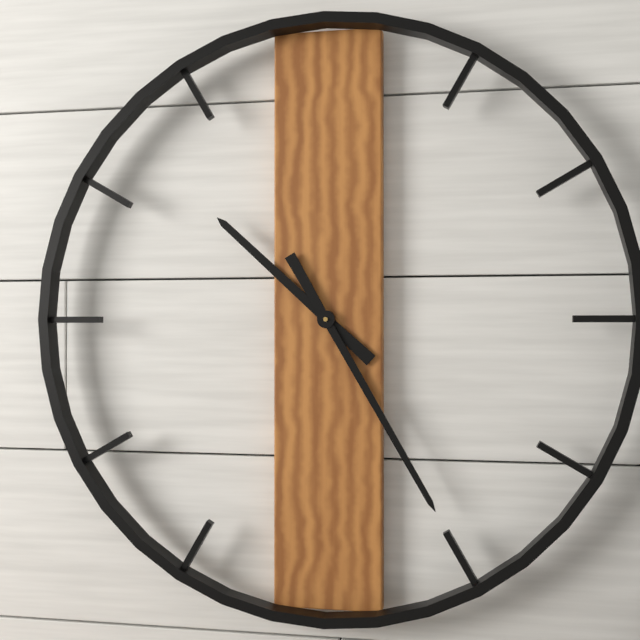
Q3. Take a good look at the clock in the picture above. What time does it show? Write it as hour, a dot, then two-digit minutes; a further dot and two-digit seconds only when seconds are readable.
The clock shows 10.25
